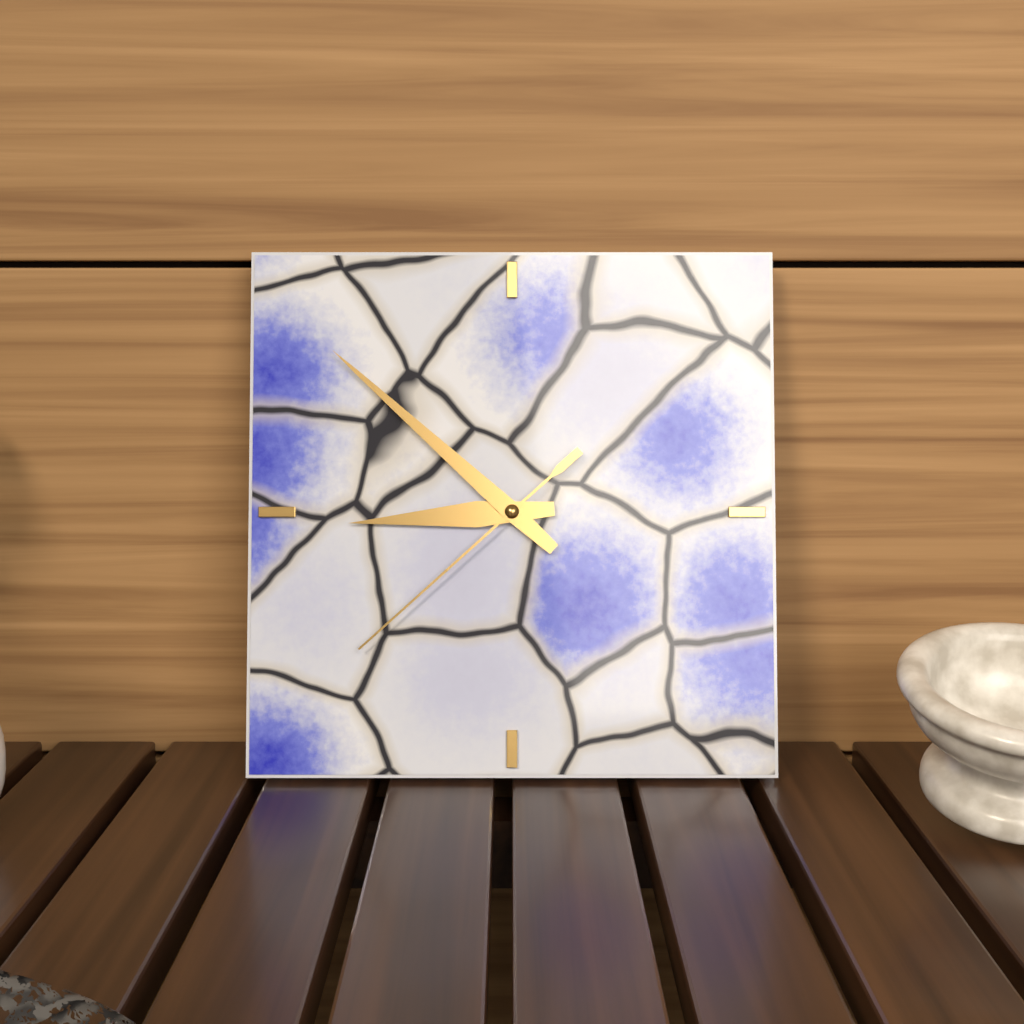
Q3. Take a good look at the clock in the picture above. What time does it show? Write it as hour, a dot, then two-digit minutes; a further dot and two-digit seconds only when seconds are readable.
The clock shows 8.52.38
